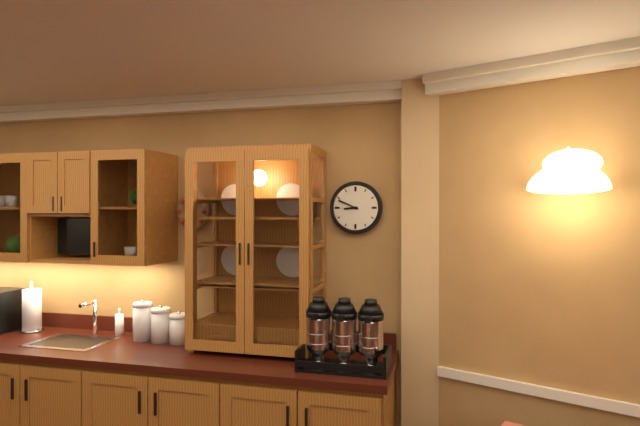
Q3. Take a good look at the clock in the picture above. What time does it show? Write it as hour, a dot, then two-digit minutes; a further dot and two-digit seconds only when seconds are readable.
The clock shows 8.49
